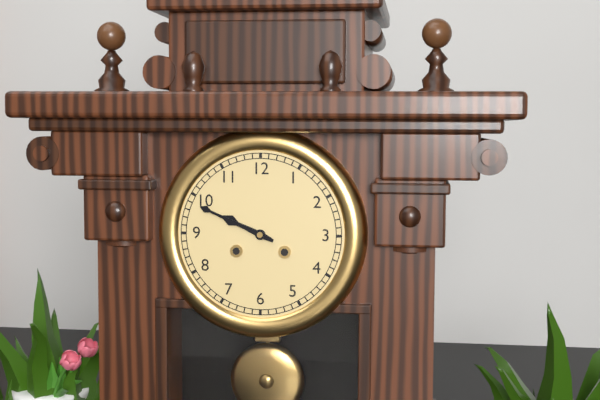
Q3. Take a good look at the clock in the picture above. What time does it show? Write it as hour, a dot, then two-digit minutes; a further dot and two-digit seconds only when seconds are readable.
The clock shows 9.49
